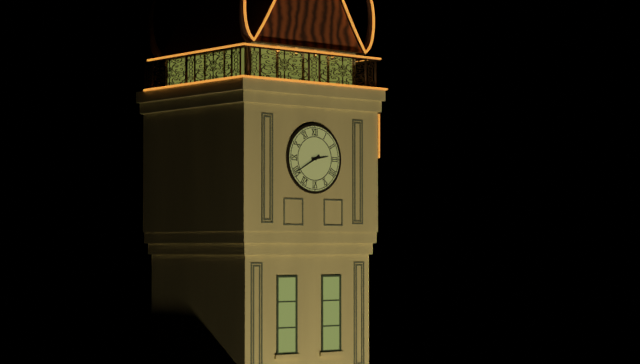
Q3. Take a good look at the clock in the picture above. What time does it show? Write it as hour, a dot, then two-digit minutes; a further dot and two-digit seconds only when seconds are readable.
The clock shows 2.40
